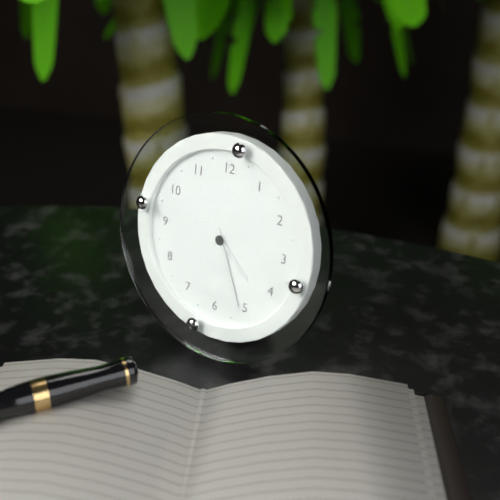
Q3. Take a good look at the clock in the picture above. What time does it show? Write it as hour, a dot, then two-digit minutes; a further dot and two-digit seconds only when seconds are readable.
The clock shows 4.26
